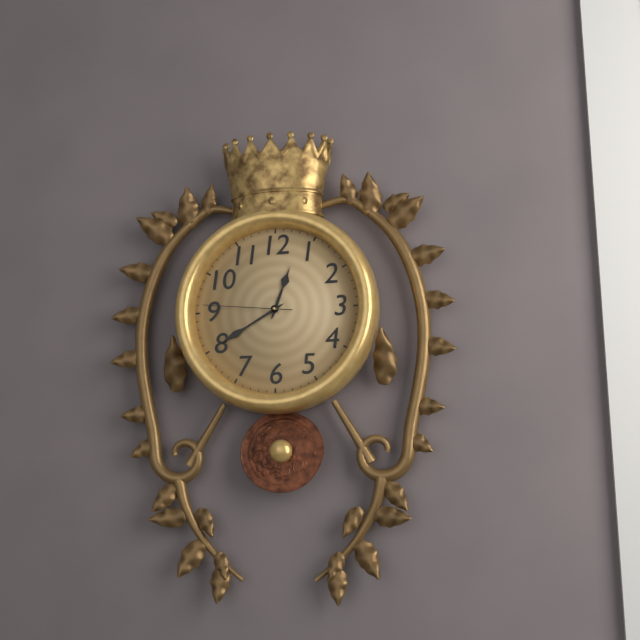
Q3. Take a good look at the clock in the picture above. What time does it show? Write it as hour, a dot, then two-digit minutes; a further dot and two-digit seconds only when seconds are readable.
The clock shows 12.40.46
